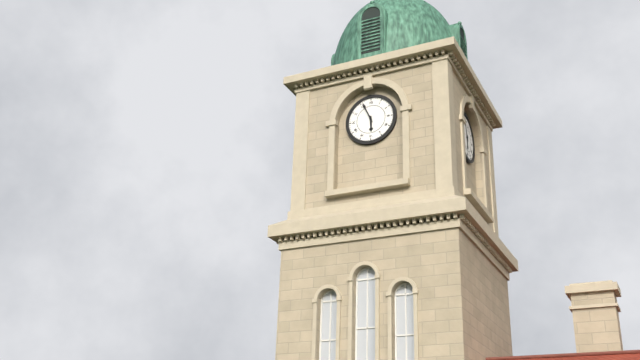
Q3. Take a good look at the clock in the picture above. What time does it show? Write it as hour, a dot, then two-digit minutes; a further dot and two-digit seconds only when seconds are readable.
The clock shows 5.56
